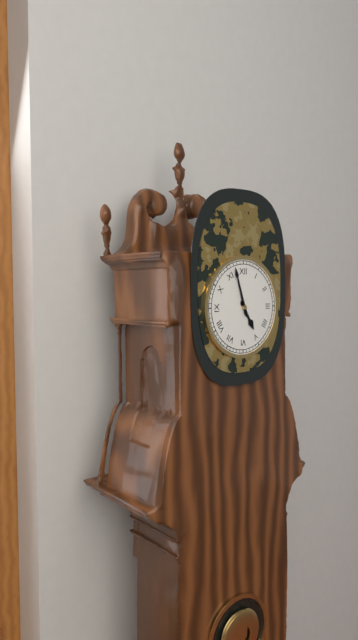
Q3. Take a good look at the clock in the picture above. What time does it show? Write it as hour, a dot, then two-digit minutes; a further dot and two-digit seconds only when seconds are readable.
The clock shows 4.57
